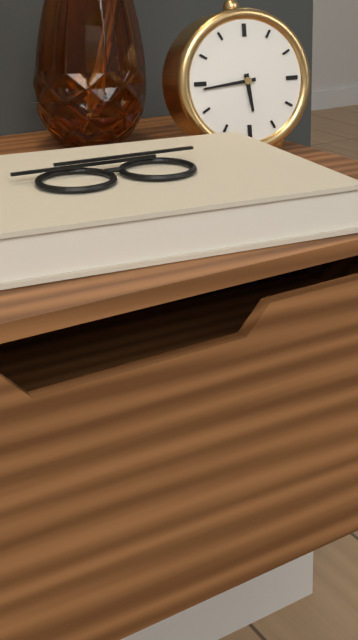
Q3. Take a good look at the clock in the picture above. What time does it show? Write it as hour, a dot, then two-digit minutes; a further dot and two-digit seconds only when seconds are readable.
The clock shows 5.44
